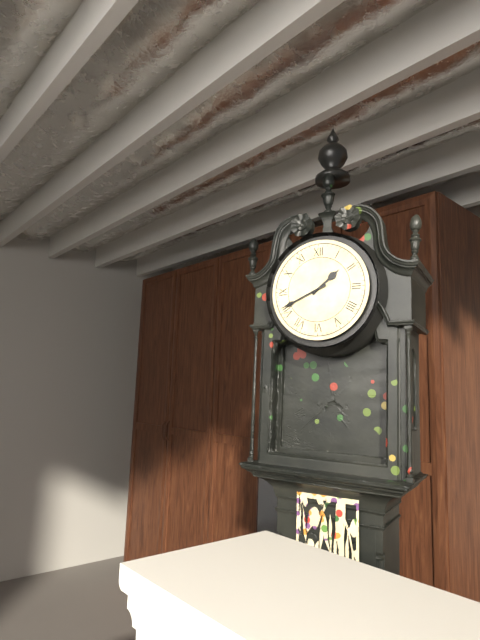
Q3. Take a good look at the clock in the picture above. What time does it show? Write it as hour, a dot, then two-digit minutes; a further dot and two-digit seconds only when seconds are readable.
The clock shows 1.41
